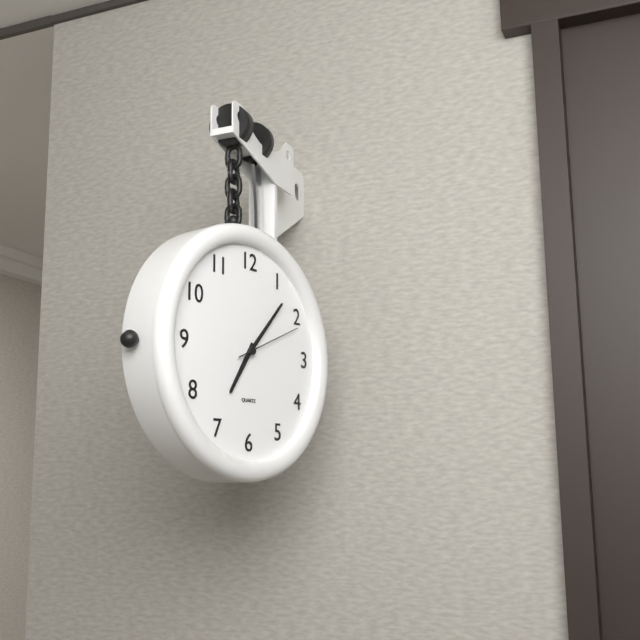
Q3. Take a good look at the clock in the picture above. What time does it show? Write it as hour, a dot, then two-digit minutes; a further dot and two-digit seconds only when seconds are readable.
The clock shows 7.07.11
